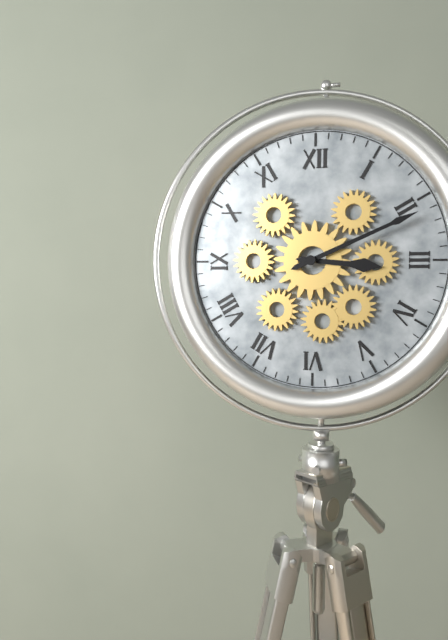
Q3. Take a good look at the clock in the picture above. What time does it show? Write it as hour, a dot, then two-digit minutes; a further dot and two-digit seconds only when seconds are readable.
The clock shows 3.11
